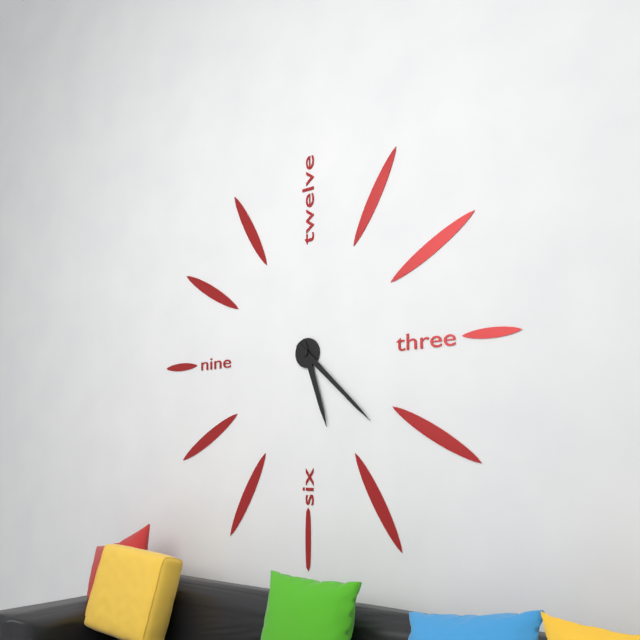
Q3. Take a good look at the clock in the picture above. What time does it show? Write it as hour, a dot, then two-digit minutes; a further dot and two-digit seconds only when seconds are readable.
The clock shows 5.22
